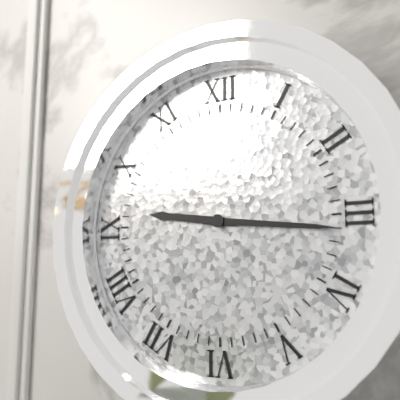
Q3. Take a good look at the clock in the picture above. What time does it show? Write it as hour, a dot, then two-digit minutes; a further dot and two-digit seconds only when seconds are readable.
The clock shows 9.16
